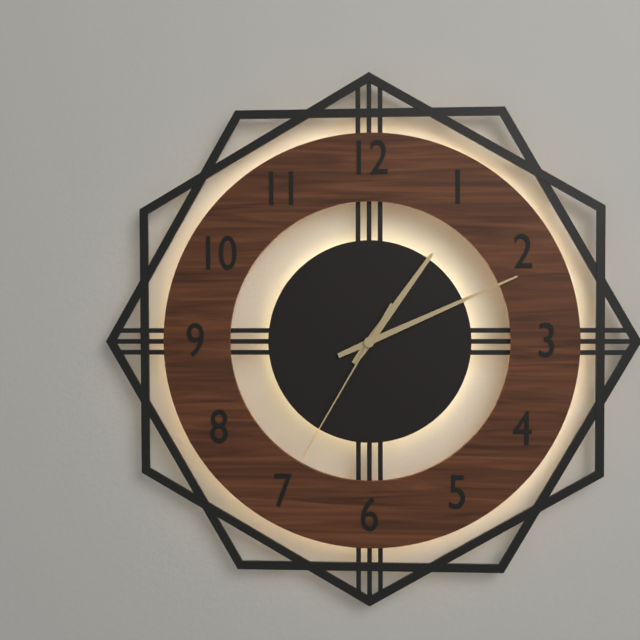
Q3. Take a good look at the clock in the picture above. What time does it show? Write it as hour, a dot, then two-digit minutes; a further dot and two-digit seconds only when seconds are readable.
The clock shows 1.11.35
